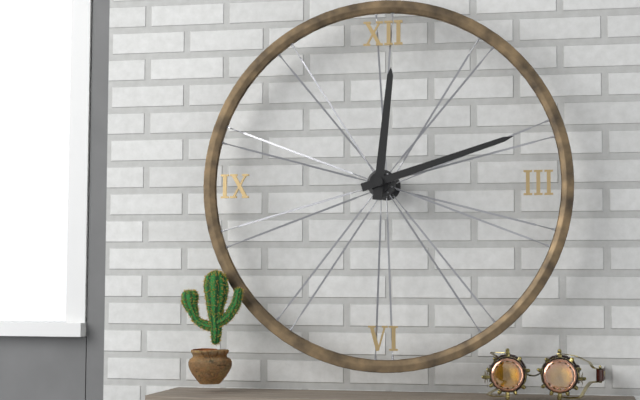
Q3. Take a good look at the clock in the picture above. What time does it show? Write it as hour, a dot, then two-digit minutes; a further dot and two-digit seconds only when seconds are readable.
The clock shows 12.12
